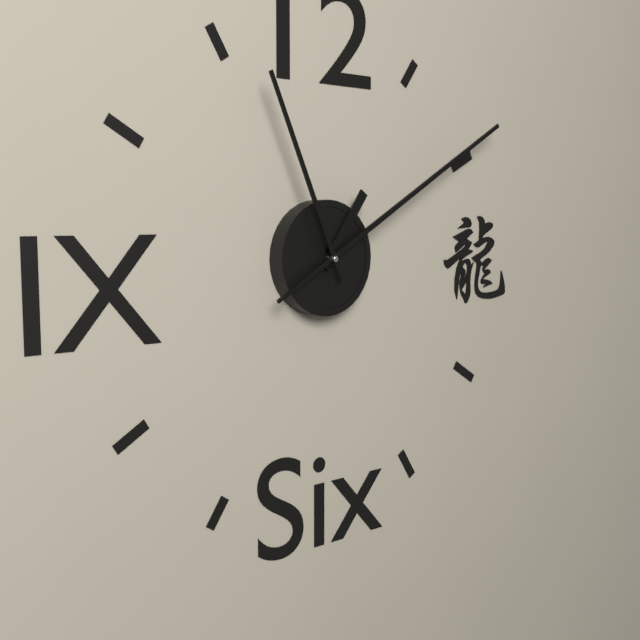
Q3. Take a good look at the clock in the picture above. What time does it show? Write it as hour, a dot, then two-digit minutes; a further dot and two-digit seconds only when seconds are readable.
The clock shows 1.10.56
